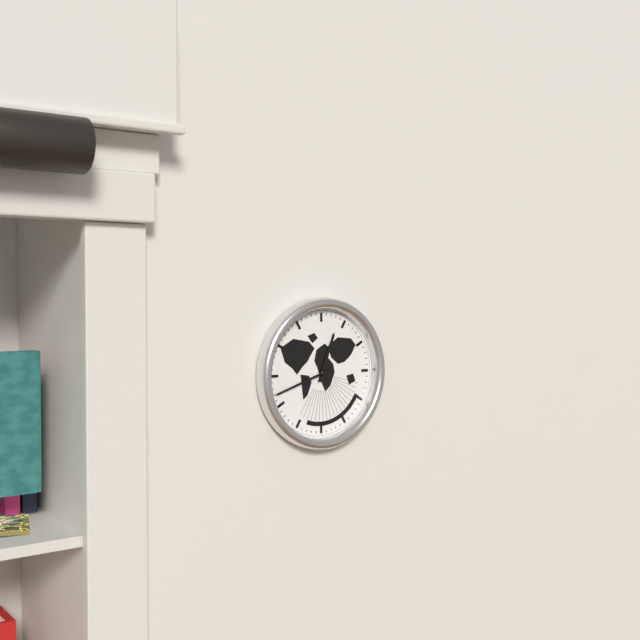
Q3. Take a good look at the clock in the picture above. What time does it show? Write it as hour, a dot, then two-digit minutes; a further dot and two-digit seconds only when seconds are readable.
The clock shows 12.42
